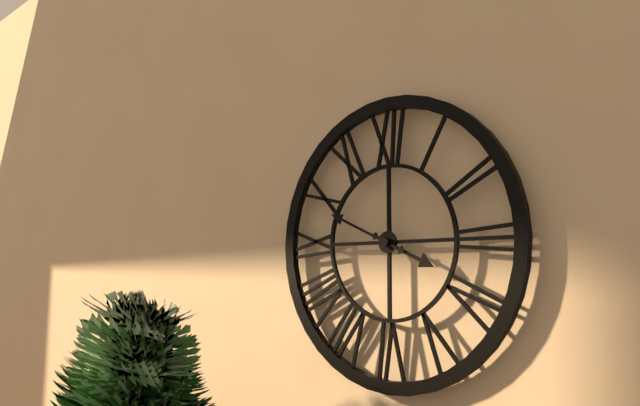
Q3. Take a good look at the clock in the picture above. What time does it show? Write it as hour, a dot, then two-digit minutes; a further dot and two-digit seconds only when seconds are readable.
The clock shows 3.49
